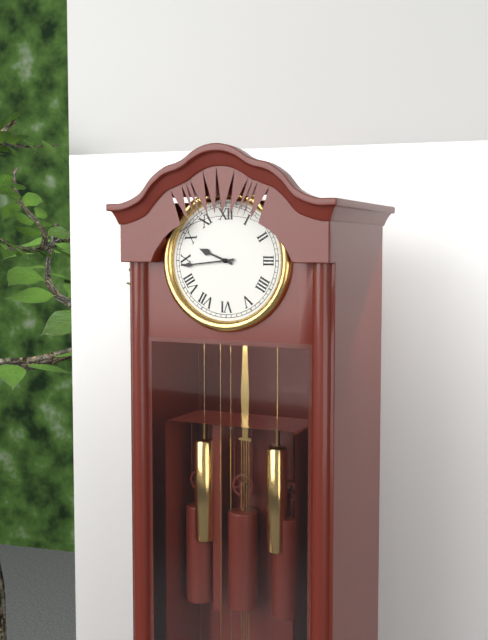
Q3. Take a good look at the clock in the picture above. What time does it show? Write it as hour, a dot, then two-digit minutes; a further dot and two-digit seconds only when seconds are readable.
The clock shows 9.44
